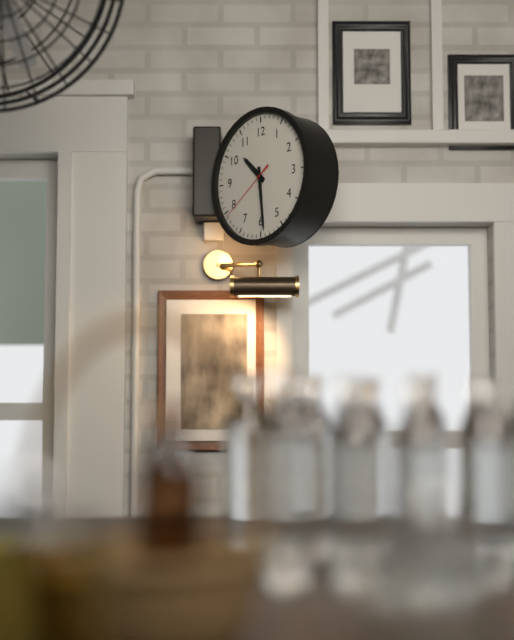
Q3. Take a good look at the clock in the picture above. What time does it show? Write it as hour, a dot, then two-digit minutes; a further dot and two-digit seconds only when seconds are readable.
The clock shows 10.29.39
